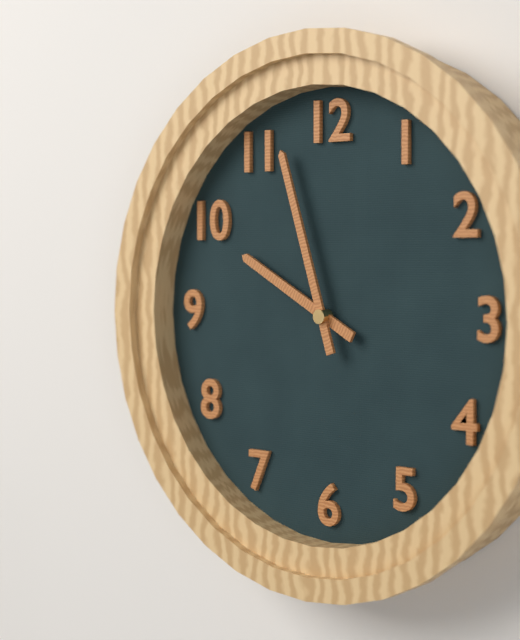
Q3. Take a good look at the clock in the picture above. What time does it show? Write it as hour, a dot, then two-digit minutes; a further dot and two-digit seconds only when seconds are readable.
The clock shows 9.57
